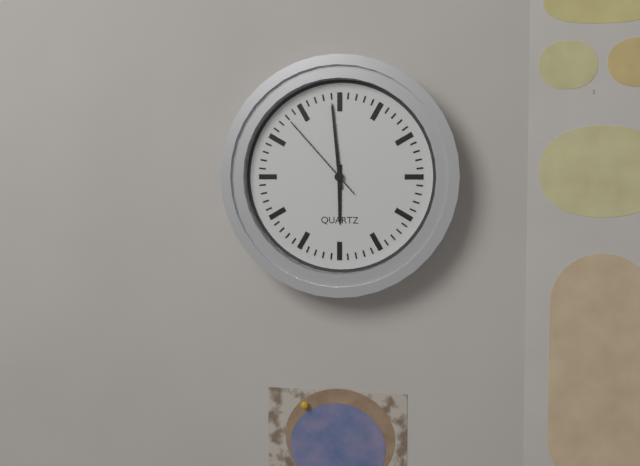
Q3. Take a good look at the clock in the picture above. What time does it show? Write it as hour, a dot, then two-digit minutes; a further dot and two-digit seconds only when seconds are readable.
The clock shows 5.59.53
